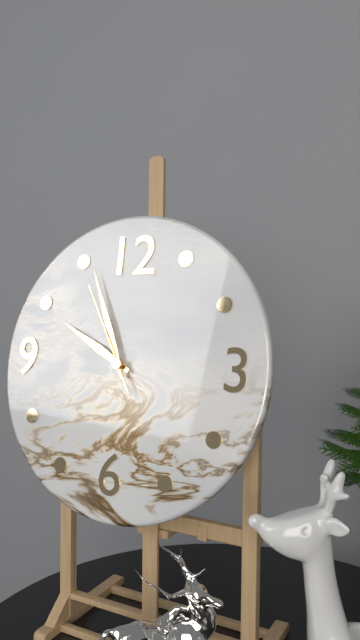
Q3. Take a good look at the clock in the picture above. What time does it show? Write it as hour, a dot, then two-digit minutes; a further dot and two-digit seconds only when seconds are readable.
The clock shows 9.56.55
